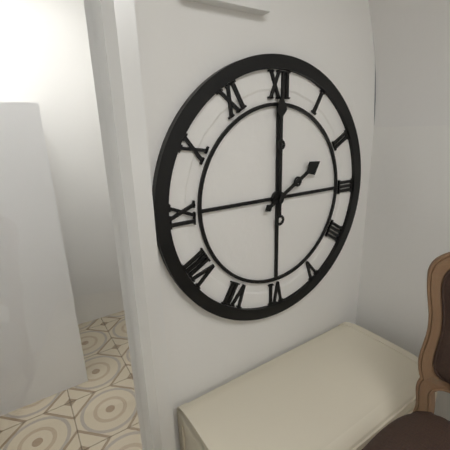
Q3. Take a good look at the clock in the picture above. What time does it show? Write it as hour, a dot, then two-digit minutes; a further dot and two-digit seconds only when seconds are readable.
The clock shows 2.00
